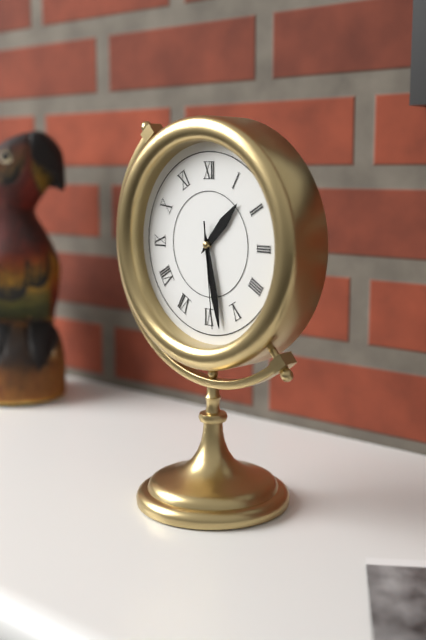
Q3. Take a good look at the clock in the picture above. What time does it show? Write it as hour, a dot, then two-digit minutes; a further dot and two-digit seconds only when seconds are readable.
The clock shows 1.28.29
